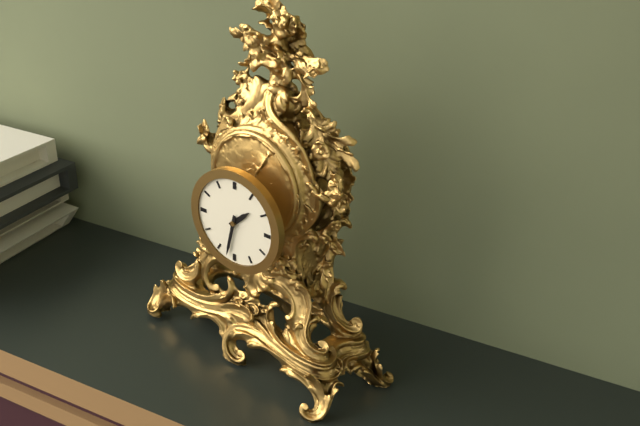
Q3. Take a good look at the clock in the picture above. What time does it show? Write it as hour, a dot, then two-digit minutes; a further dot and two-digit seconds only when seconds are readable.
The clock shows 1.32
